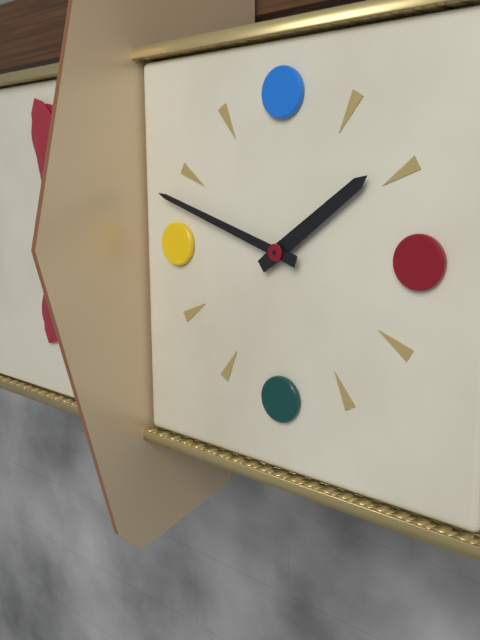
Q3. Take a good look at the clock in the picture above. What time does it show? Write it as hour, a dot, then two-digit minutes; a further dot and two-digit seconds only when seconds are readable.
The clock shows 1.48
